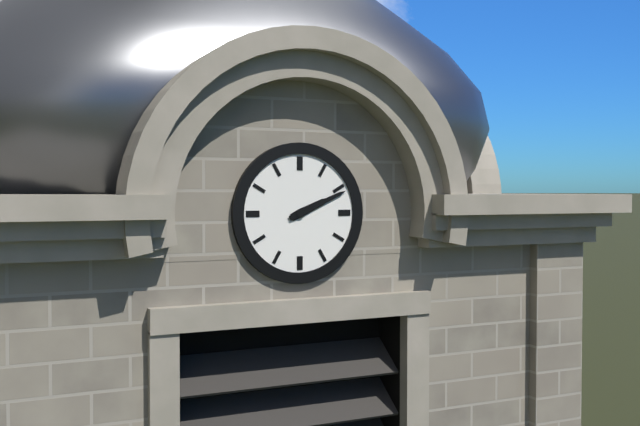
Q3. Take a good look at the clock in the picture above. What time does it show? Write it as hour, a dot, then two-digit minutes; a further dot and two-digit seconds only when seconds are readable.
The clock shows 2.11
